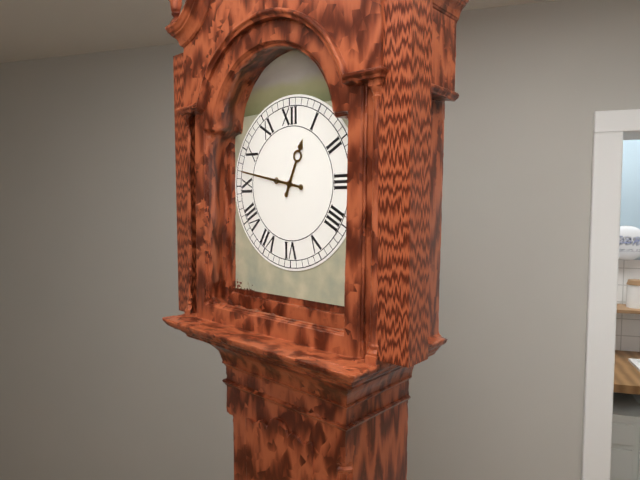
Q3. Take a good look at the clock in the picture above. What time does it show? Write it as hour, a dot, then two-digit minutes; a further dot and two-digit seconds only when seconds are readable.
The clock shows 12.47
